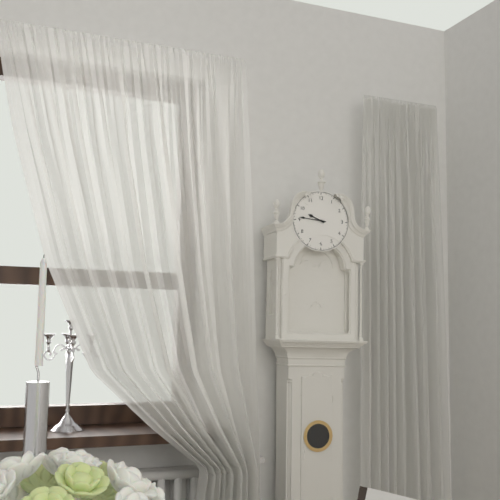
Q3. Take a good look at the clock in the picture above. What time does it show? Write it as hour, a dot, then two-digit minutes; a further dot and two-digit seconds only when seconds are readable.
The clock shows 9.46
